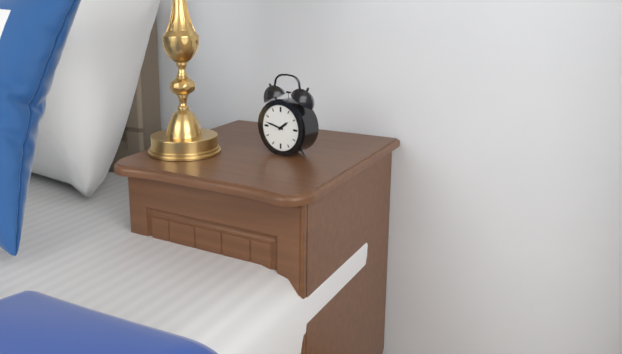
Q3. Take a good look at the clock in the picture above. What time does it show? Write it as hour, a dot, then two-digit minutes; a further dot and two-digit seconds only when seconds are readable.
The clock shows 1.47
